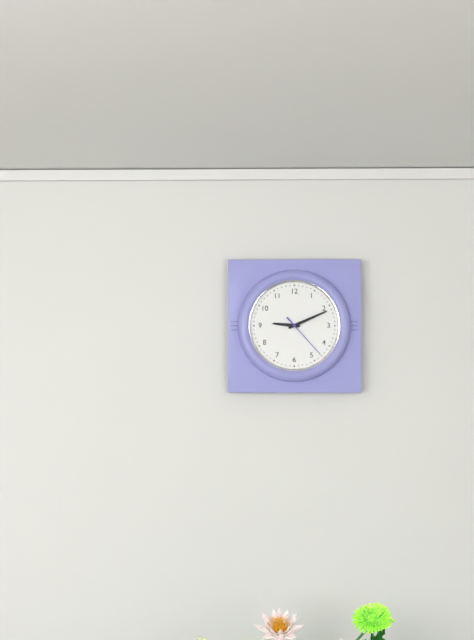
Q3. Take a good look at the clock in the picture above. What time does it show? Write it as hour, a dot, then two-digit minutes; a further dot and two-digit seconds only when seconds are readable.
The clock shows 9.11
